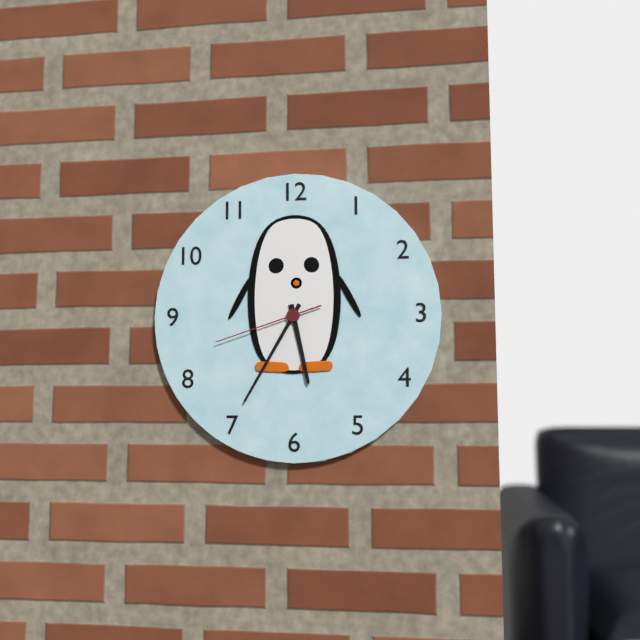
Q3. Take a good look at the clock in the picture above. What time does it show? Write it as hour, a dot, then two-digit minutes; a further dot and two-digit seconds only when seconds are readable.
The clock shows 5.35.42
